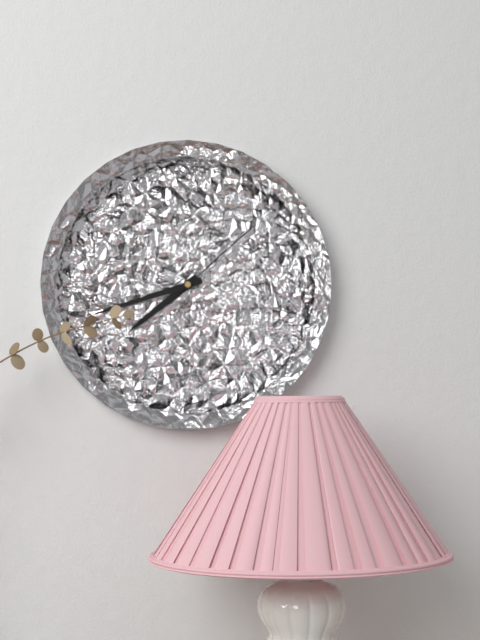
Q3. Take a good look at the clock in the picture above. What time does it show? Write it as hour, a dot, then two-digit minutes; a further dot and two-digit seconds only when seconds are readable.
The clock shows 7.42.08
